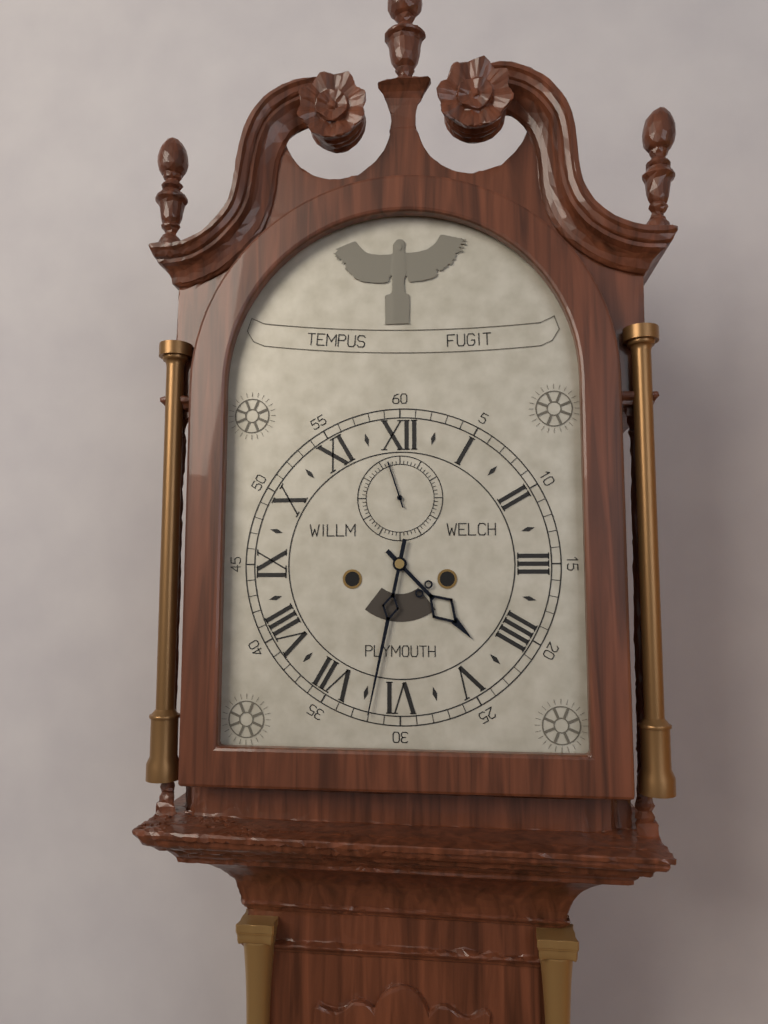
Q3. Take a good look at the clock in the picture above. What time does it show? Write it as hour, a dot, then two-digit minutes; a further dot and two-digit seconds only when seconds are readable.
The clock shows 4.32
